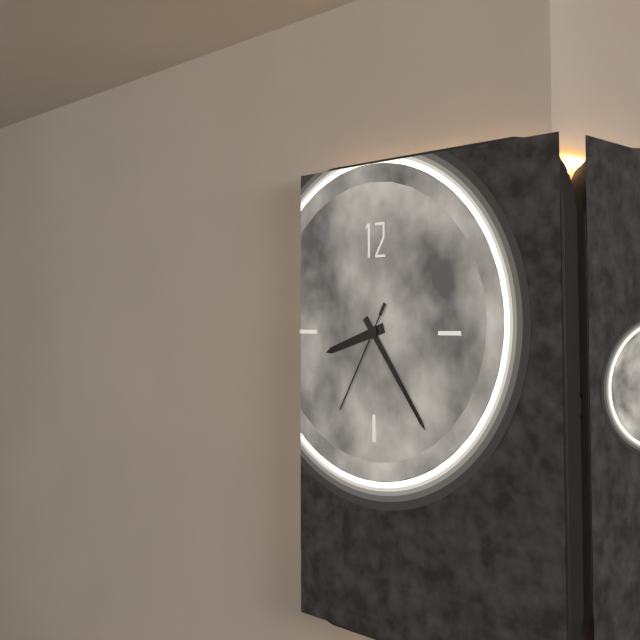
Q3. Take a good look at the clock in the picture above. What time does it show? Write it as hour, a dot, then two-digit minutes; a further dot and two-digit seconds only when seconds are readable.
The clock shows 8.24.35
